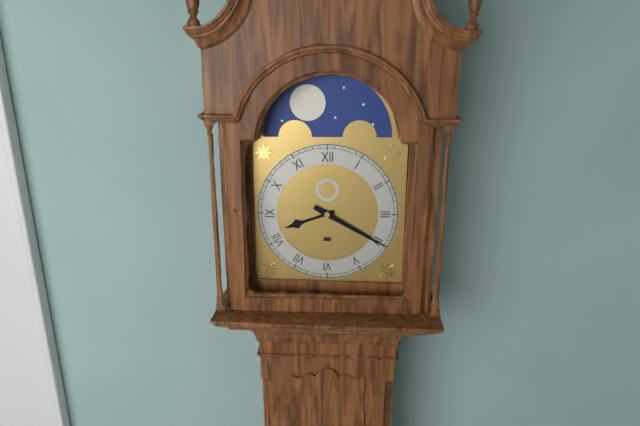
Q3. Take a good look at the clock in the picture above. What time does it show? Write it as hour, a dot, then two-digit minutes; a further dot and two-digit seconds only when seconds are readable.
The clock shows 8.20
